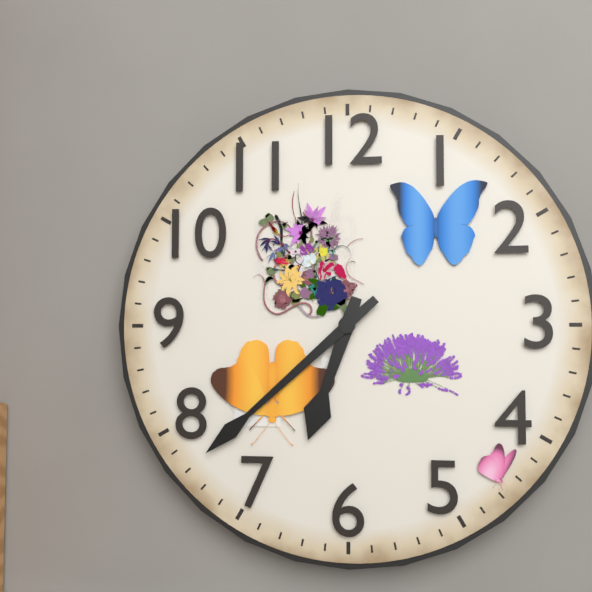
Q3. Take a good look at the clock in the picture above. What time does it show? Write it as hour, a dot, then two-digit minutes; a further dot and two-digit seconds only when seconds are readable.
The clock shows 6.38
